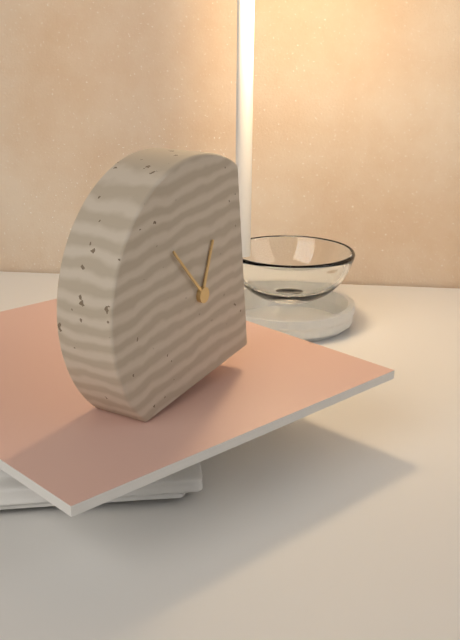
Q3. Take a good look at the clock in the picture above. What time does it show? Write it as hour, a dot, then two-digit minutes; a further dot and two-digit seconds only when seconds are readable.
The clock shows 12.54
